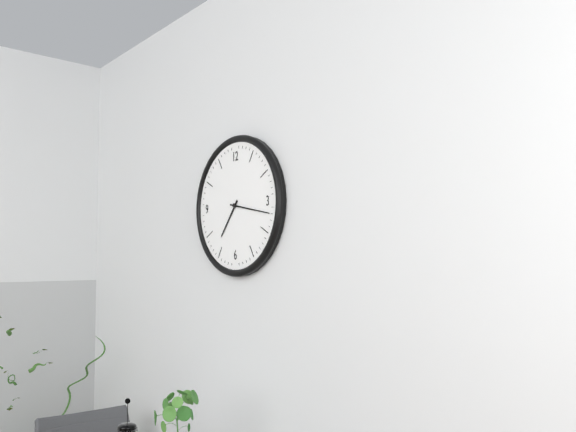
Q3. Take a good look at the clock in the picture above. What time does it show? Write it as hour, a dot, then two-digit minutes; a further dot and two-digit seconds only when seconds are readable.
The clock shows 7.17
